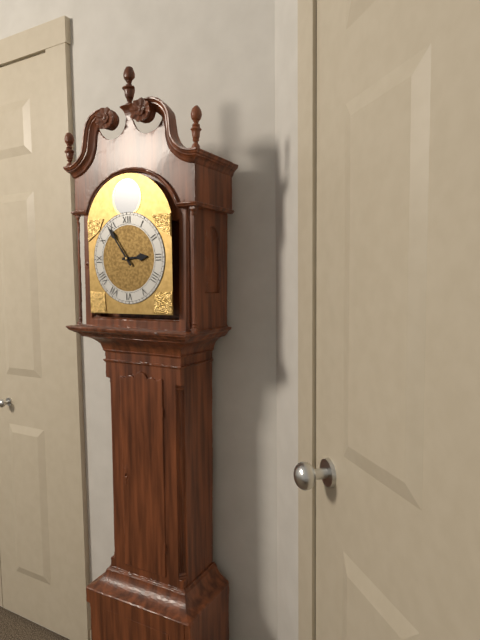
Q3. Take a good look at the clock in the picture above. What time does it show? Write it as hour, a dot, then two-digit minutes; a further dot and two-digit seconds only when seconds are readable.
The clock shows 2.54
